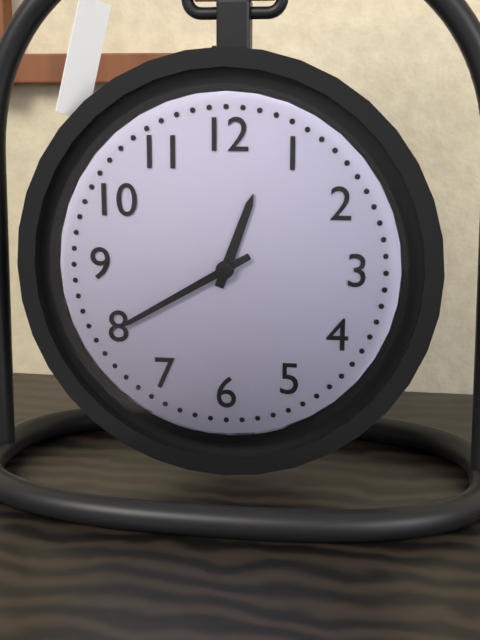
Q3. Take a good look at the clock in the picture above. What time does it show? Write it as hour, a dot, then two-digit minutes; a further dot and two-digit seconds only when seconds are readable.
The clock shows 12.40
